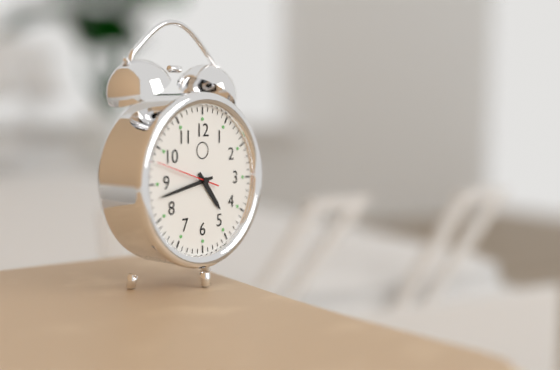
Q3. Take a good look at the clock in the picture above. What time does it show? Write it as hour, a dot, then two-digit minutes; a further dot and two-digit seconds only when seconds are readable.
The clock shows 4.43.48
